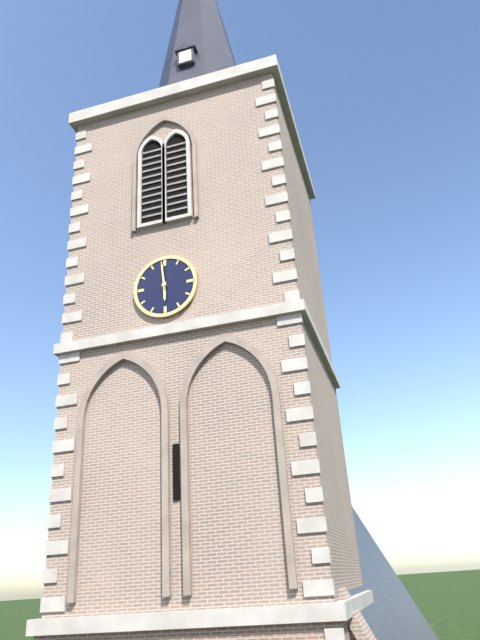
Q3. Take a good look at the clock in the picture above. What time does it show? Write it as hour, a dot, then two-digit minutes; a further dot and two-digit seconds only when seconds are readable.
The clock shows 5.59
